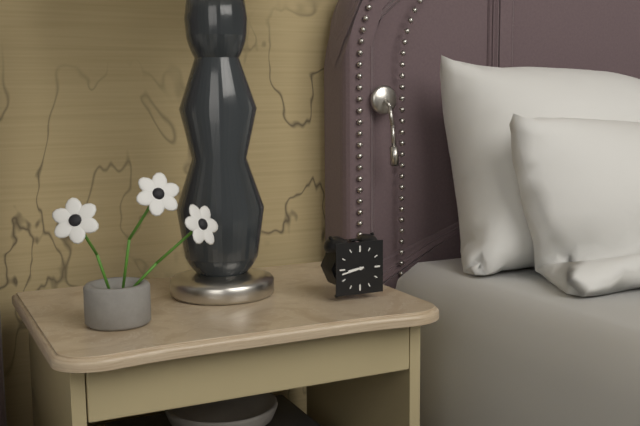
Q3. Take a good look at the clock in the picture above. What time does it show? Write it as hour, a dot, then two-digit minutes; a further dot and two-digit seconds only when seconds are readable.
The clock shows 8.43
